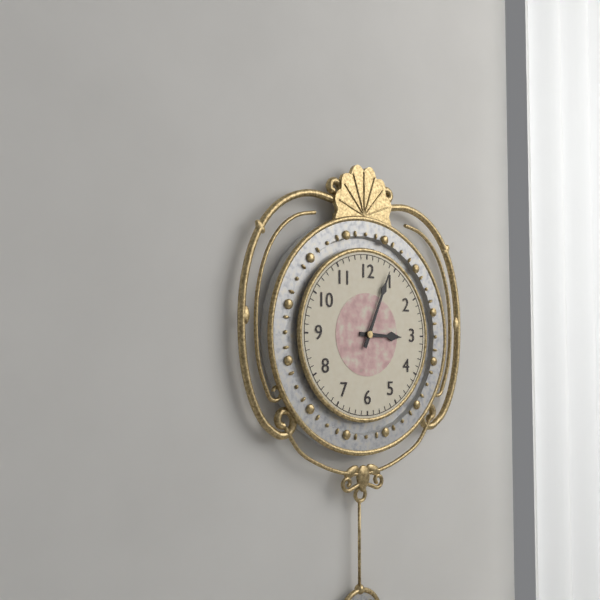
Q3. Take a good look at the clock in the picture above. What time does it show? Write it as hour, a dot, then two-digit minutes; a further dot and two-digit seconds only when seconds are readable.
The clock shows 3.04
